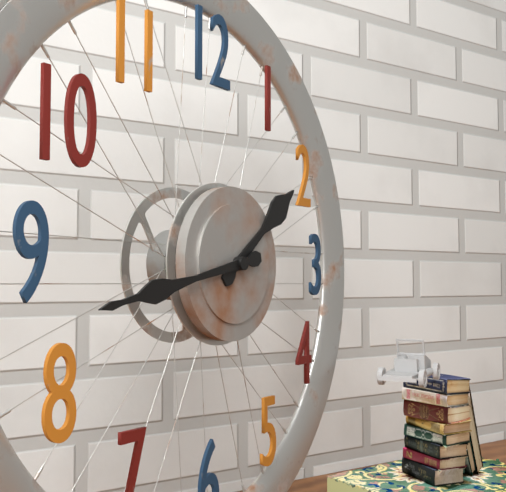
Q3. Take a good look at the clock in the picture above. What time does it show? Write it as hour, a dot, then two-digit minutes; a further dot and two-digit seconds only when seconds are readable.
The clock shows 1.43
